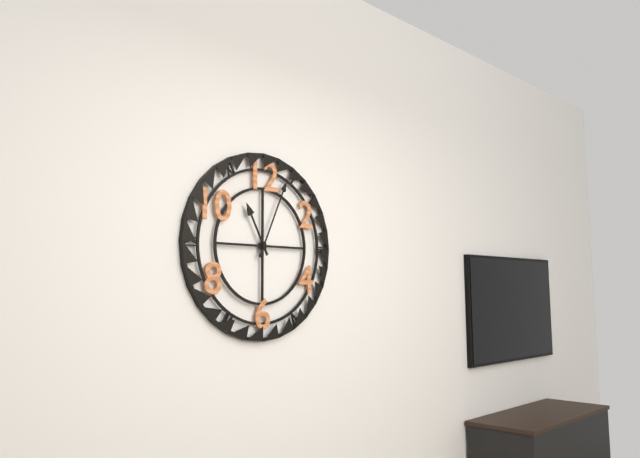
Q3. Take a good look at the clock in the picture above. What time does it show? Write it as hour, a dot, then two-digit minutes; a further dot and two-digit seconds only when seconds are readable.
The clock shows 11.04
